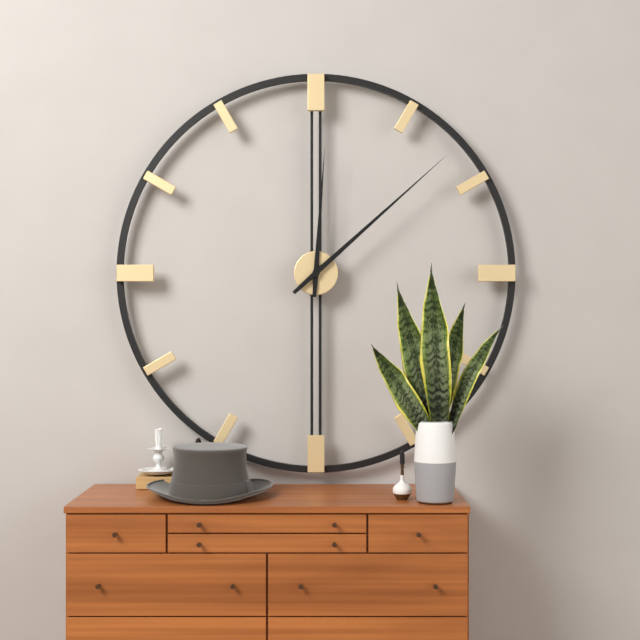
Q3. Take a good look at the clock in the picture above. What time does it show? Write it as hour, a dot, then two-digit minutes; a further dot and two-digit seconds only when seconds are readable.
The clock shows 12.08
